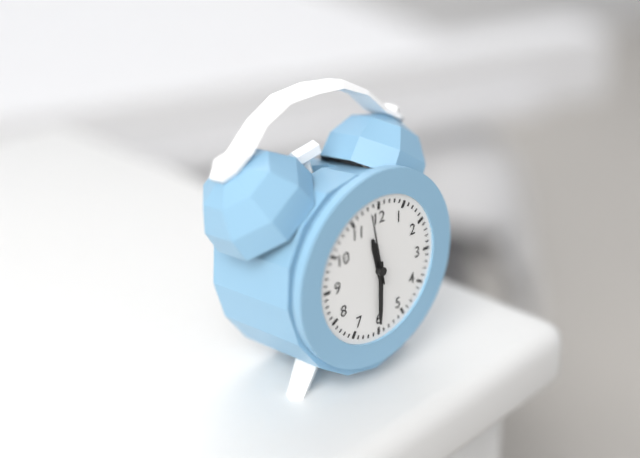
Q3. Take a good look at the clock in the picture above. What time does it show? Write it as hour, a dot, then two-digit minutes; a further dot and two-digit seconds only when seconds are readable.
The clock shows 11.30.58
